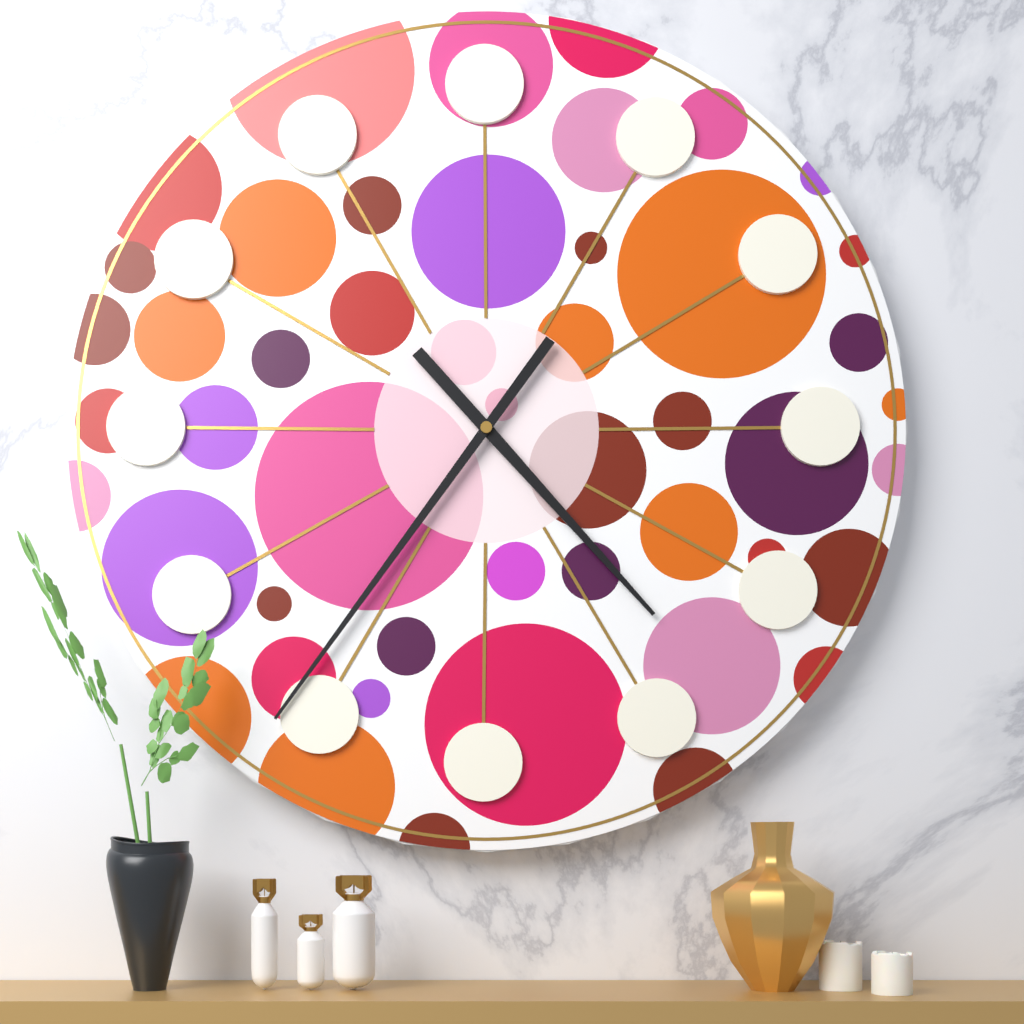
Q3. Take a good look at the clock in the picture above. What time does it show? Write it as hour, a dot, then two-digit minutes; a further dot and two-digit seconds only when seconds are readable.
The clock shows 4.36
